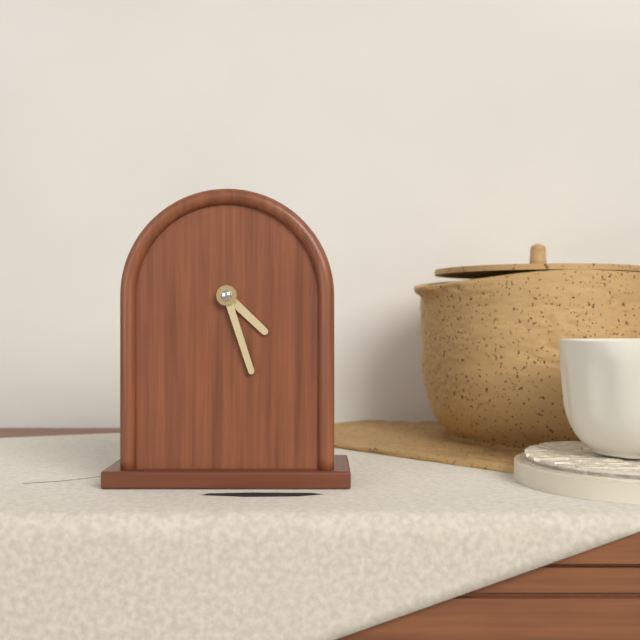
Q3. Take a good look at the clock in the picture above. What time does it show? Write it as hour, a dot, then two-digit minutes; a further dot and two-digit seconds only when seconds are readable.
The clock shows 4.27
